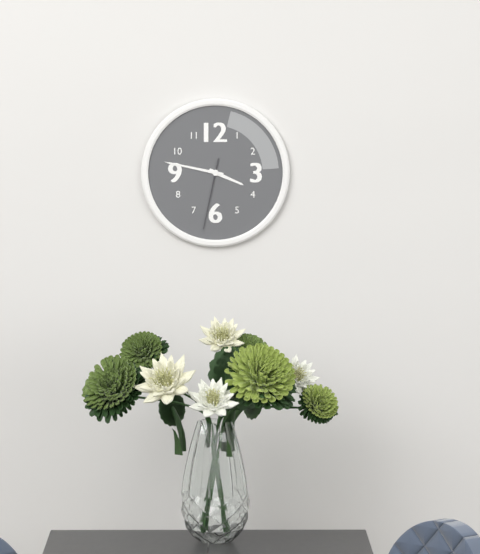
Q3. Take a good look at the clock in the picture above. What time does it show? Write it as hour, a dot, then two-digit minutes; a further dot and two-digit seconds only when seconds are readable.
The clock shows 3.47.32
